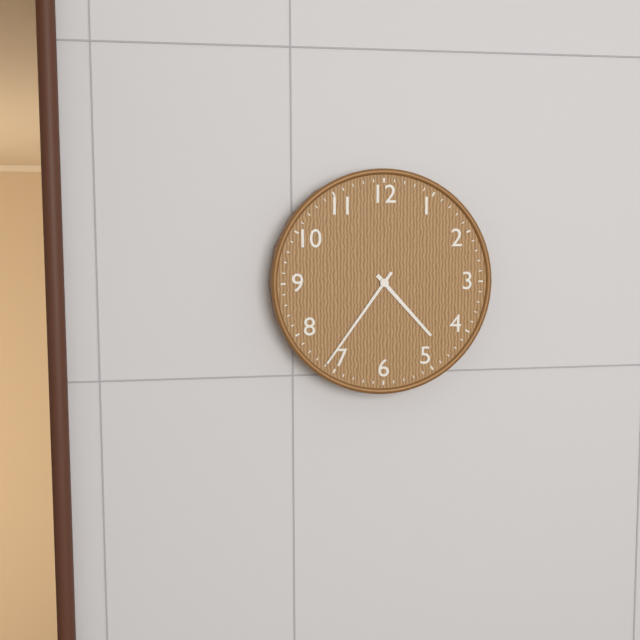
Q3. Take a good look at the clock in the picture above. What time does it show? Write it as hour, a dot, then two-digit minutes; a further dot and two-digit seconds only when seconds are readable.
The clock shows 4.36
